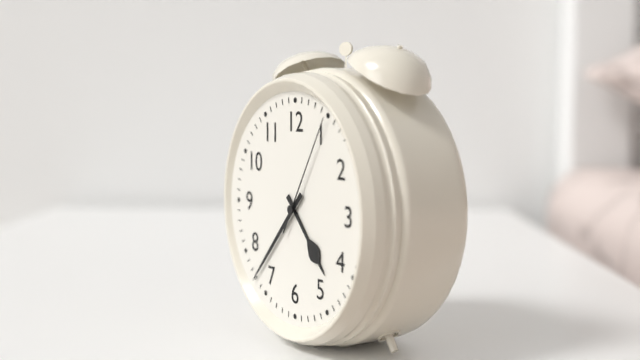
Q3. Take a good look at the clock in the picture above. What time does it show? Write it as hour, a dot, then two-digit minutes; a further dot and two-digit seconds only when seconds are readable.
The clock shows 4.37.05
